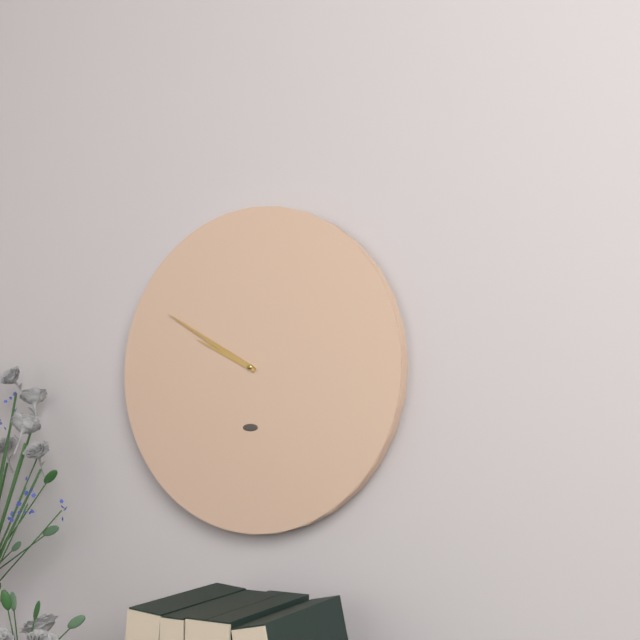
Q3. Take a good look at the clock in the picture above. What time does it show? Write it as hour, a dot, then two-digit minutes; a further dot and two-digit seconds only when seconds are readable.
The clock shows 9.50
